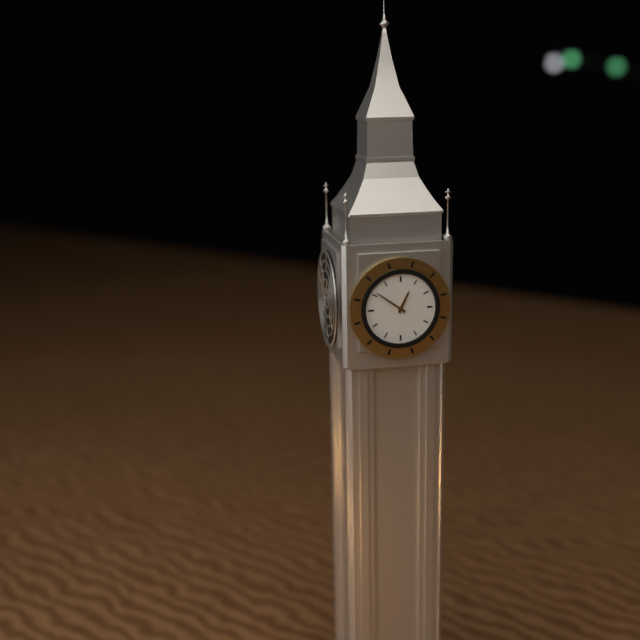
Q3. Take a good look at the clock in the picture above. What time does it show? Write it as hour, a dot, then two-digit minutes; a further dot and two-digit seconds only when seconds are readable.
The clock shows 12.51
